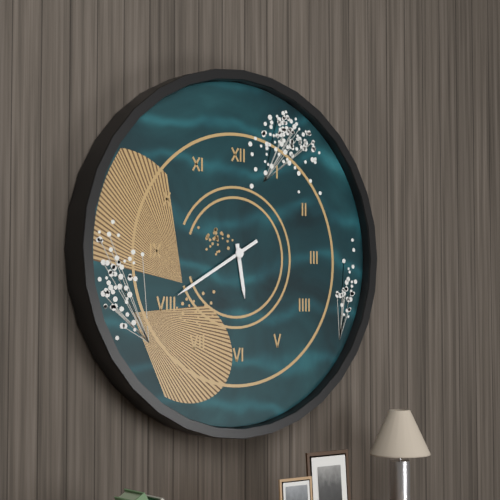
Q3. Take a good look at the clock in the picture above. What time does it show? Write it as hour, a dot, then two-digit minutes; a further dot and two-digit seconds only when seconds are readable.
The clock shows 5.40
